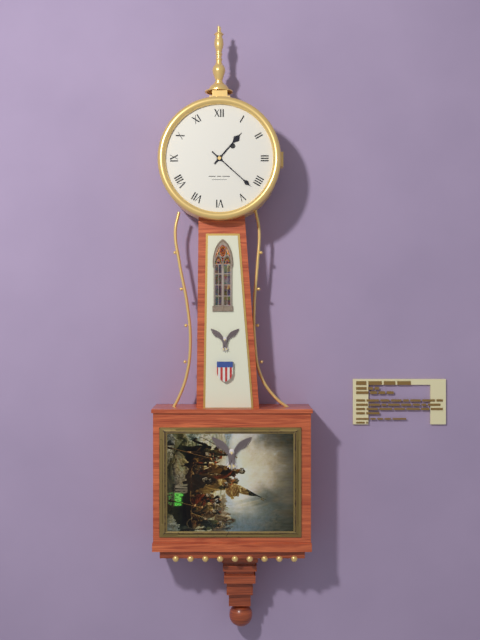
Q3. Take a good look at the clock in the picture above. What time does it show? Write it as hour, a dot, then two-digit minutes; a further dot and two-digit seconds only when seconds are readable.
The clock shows 1.22
